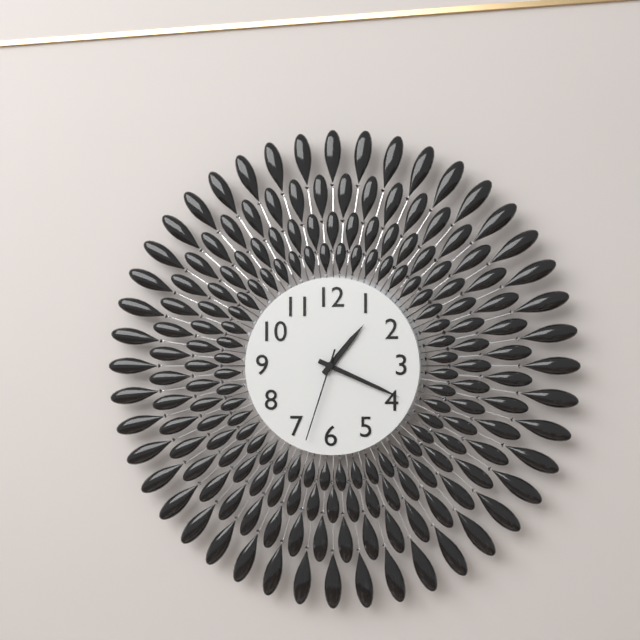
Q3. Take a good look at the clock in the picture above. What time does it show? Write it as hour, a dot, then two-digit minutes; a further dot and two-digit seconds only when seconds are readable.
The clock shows 1.19.33
